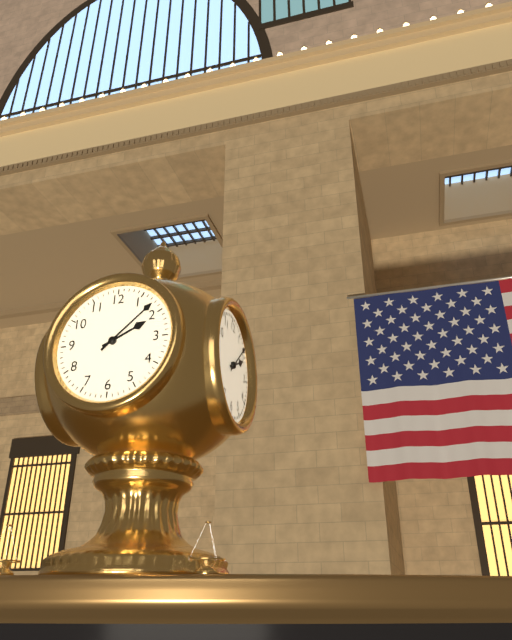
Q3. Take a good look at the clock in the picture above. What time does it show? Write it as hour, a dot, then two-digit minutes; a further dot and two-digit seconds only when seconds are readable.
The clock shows 2.08
